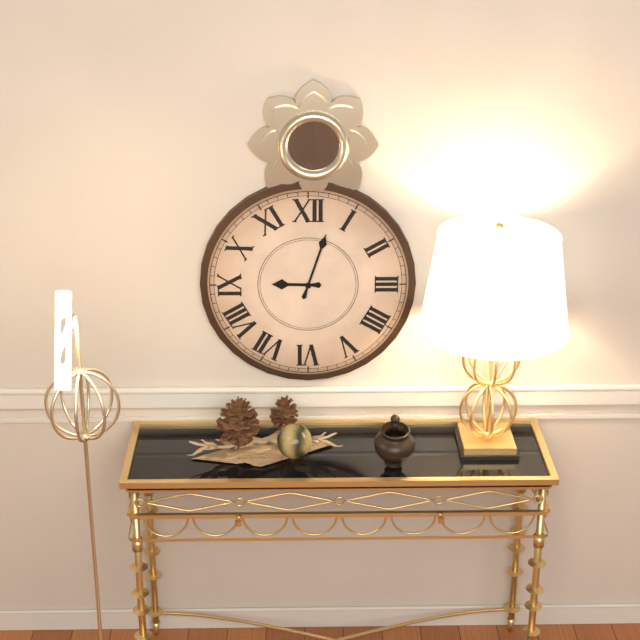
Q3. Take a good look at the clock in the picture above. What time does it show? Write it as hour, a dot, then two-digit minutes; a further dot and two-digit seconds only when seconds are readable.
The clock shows 9.03
